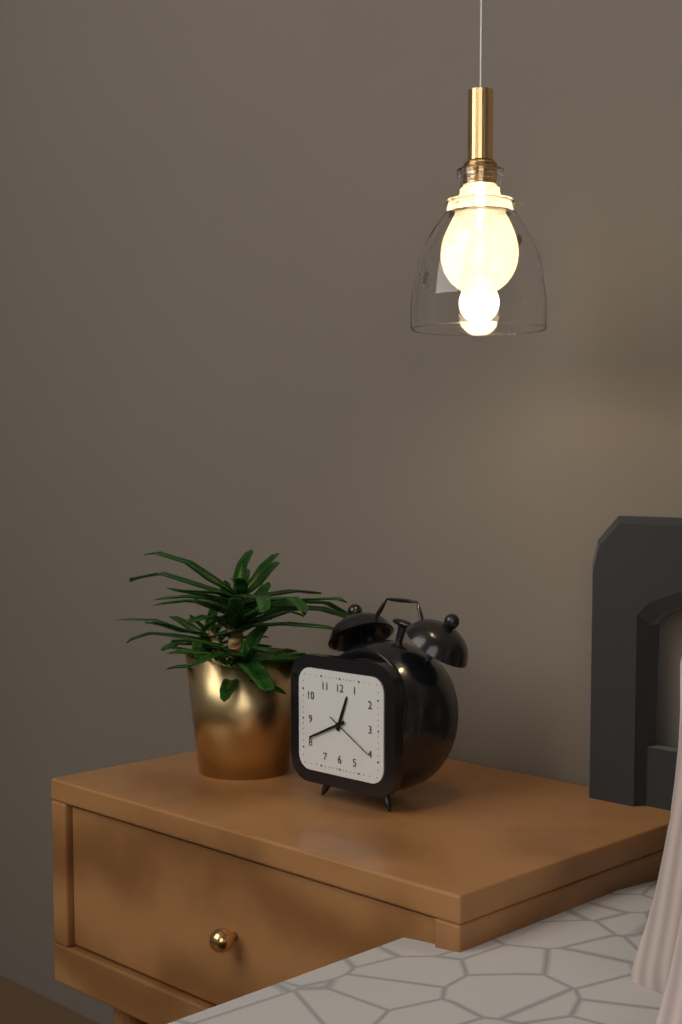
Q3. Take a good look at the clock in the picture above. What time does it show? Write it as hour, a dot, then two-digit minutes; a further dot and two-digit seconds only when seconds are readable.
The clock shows 12.41
